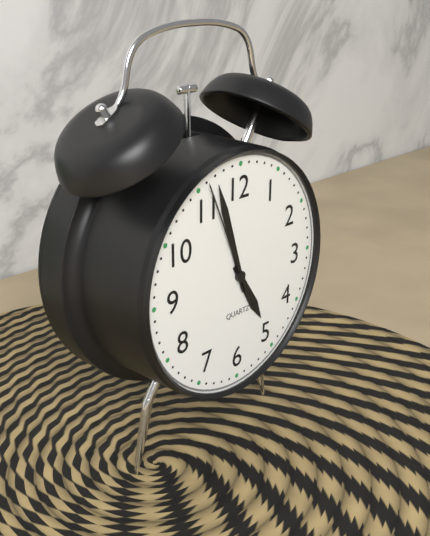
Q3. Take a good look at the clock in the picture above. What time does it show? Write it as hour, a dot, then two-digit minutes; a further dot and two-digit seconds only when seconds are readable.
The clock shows 4.57.56
